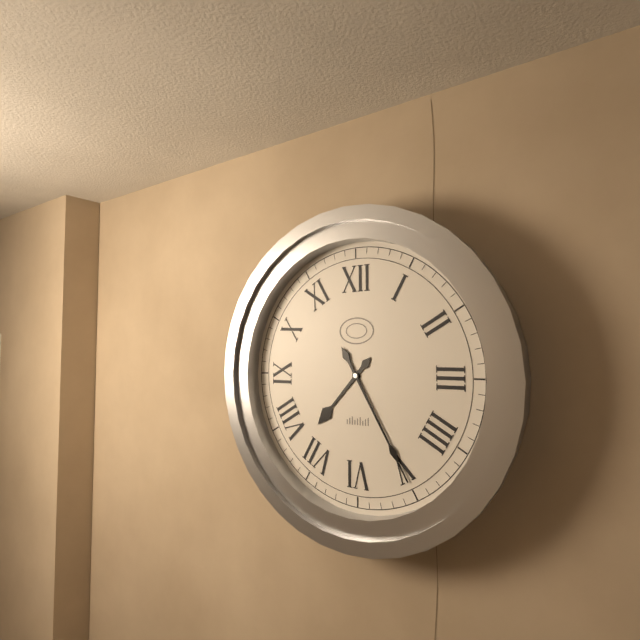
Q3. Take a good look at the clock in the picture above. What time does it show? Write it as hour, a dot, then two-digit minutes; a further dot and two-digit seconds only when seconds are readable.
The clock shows 7.25
